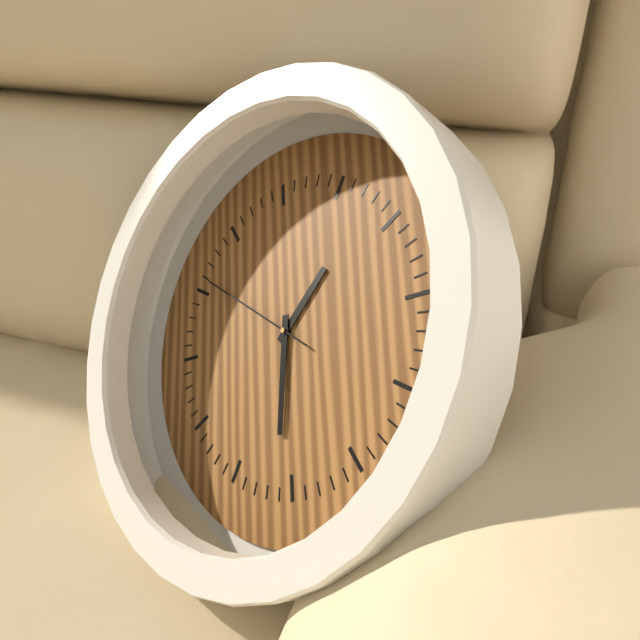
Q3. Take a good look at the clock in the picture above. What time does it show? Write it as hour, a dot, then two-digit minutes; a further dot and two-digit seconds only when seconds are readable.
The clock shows 1.31.51
